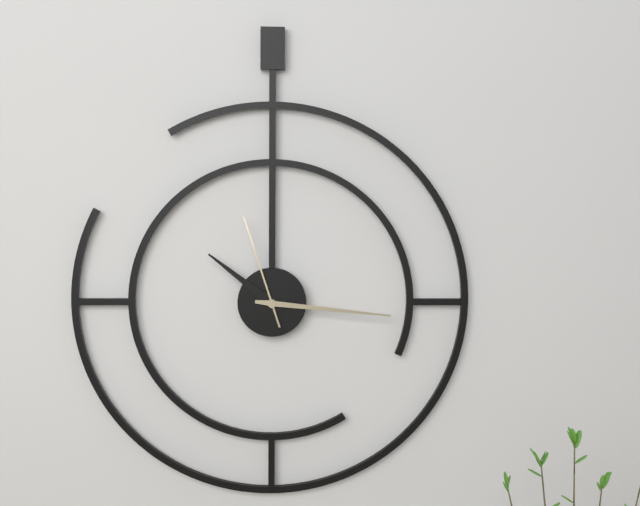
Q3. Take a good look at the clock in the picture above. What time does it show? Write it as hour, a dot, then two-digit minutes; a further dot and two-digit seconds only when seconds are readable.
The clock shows 10.16.57
